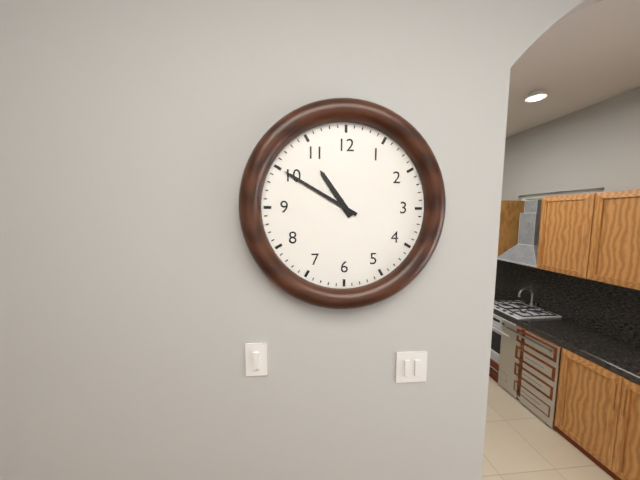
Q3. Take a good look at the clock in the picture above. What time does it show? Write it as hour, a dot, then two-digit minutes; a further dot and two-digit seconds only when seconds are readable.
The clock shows 10.50
